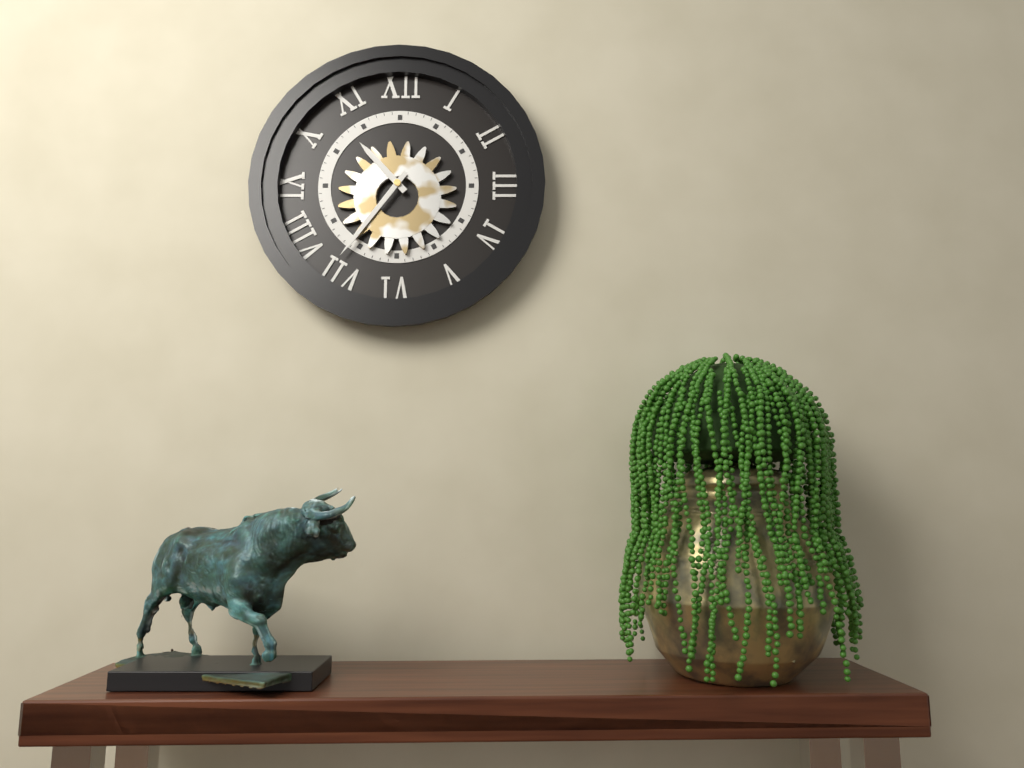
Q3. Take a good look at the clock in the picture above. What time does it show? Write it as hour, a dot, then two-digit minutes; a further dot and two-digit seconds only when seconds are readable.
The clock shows 10.36
